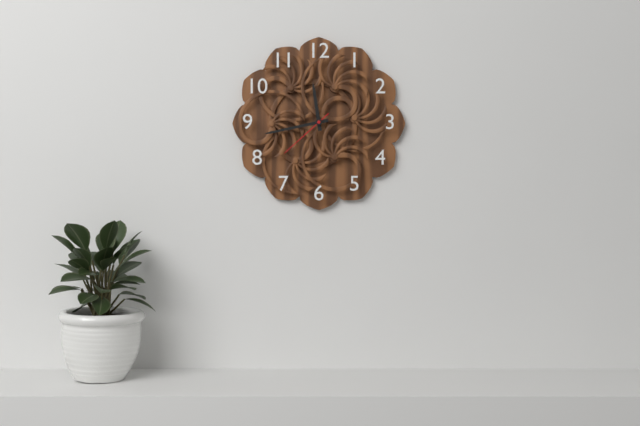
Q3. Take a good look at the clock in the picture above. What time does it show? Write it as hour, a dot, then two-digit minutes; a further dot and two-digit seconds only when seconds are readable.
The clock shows 11.43.38
